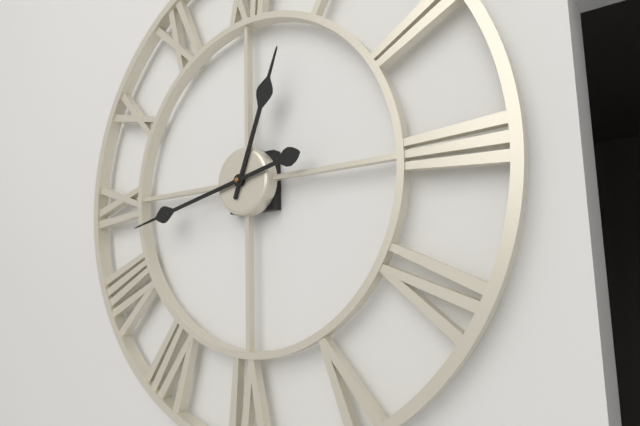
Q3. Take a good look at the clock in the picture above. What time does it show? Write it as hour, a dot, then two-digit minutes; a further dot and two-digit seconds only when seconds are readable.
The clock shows 12.43
